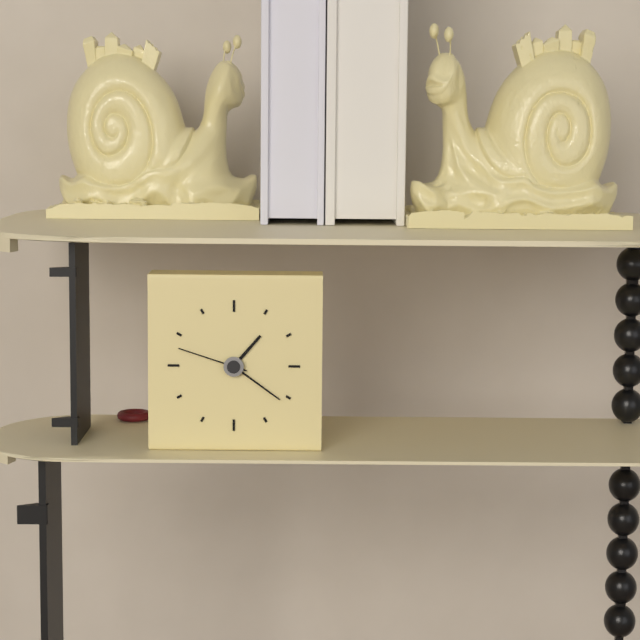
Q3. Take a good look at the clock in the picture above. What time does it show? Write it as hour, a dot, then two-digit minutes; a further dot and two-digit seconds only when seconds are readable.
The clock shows 1.21.48
